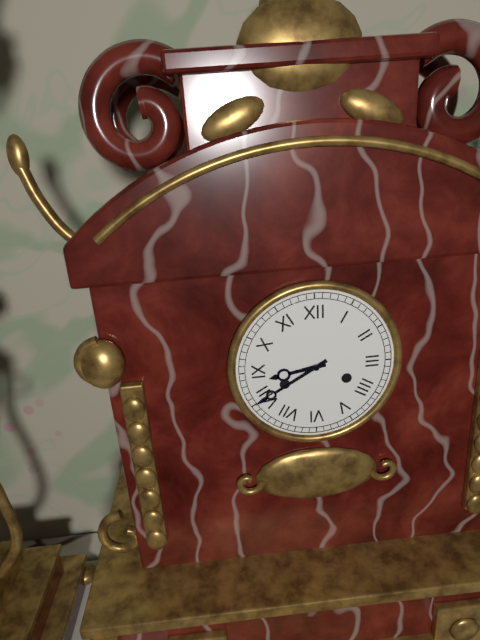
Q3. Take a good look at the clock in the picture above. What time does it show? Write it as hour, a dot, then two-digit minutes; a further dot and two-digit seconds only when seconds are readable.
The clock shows 8.40
